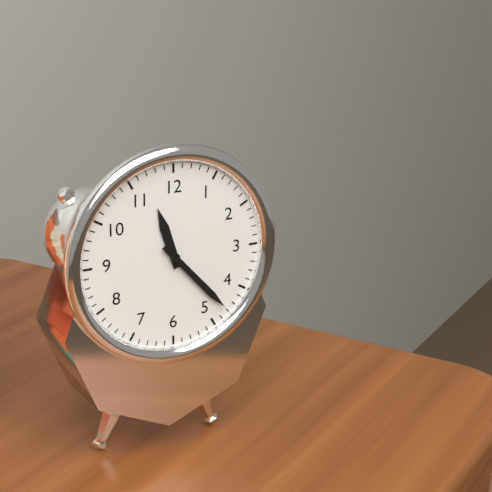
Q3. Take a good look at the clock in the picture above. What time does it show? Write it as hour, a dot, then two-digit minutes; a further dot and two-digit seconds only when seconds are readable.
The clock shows 11.23
